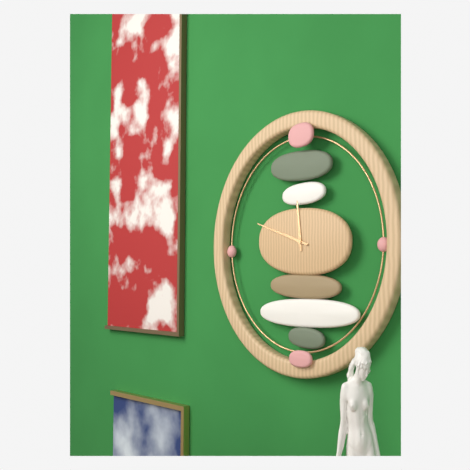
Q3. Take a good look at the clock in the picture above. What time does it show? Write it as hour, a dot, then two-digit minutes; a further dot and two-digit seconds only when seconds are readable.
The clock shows 11.48
